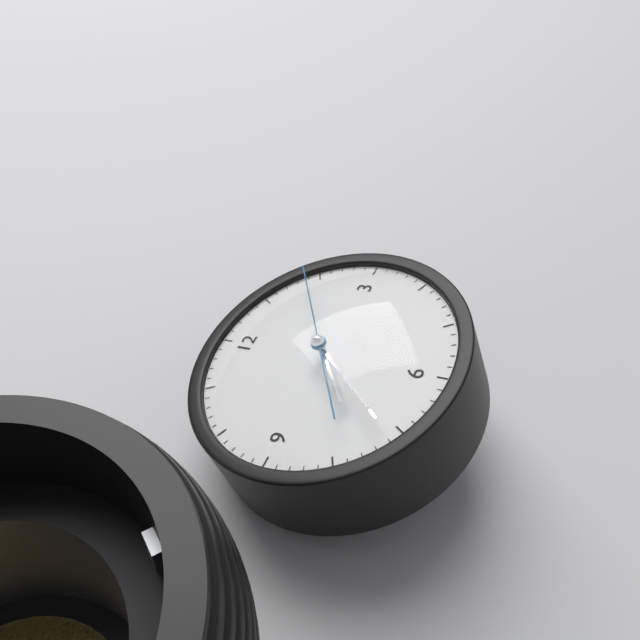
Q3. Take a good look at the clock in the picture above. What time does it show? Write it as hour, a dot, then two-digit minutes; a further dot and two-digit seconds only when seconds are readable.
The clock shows 7.36.09
